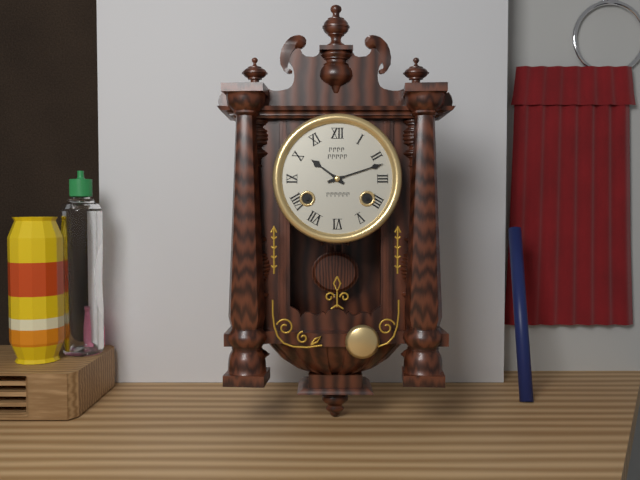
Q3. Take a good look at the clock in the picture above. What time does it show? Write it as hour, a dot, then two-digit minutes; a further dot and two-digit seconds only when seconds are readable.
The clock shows 10.12
